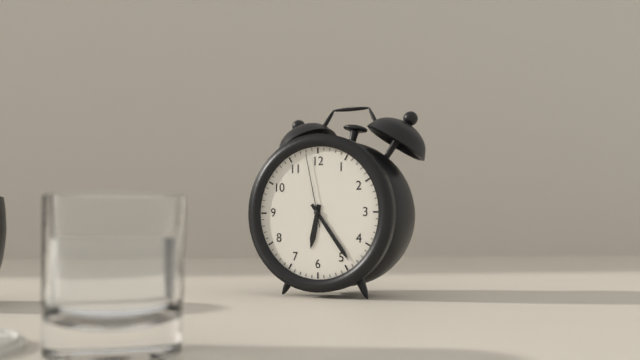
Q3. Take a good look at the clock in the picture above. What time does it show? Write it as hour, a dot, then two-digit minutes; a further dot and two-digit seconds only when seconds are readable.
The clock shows 6.24.58
